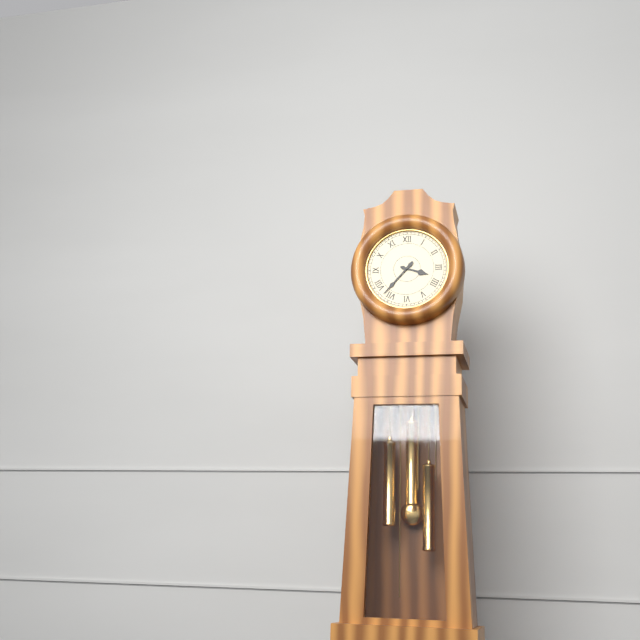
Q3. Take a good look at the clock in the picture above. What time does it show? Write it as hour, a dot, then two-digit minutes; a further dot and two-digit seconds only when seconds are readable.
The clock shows 3.37
